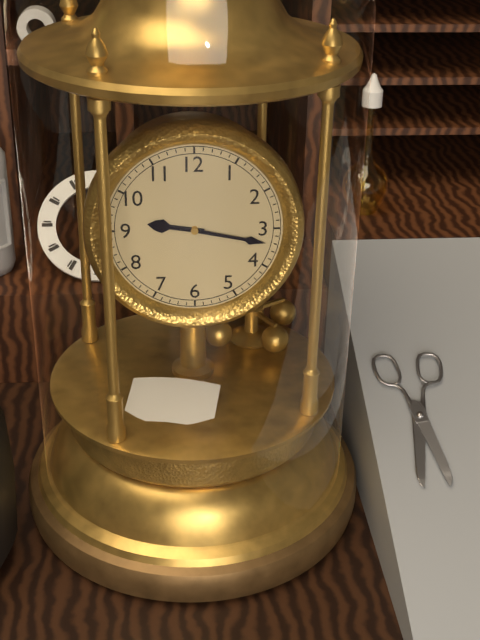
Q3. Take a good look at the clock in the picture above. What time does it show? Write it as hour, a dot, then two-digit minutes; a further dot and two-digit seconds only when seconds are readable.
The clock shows 9.17
